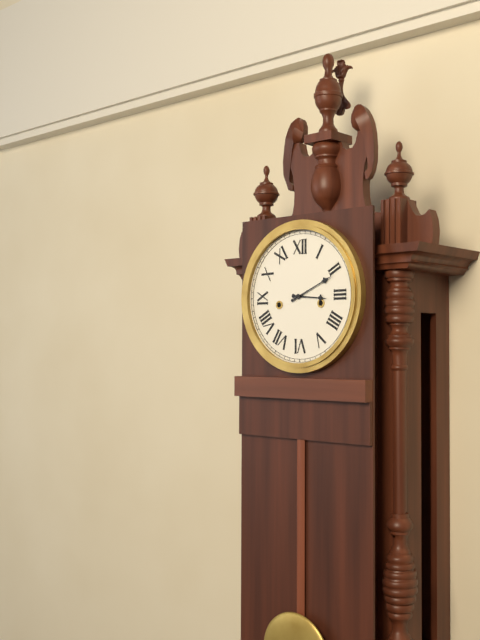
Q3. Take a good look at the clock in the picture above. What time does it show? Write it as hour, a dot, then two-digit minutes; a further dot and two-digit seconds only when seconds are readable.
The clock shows 3.11
